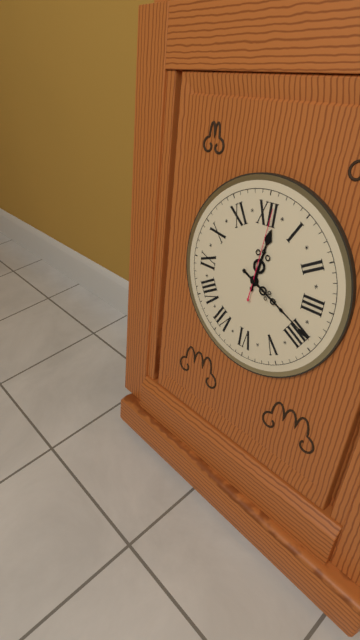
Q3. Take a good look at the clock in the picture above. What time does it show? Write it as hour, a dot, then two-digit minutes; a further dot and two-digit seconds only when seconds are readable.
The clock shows 12.19.01
